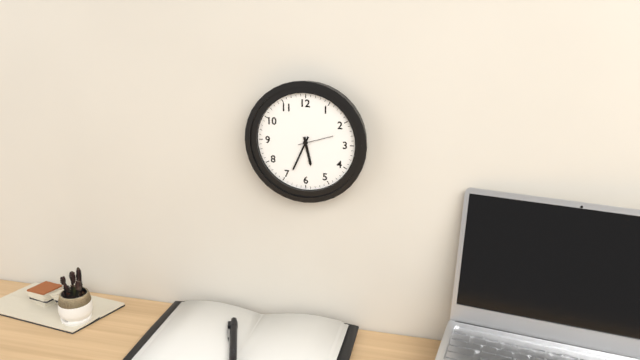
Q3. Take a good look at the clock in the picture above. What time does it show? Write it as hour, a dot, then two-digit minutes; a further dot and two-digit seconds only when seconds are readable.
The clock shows 5.34
